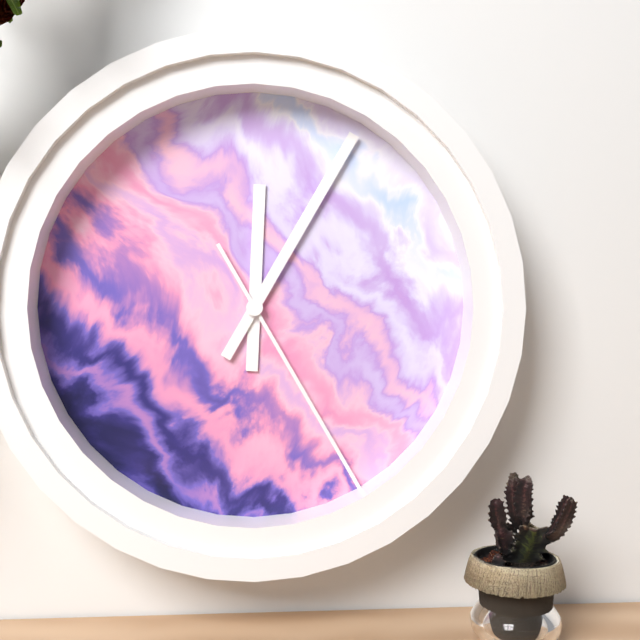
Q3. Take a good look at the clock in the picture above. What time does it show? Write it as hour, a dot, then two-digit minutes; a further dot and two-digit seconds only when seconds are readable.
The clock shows 12.05.25
